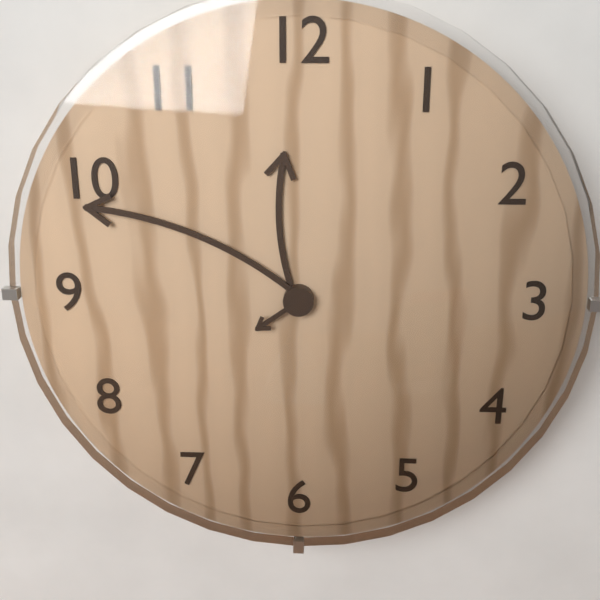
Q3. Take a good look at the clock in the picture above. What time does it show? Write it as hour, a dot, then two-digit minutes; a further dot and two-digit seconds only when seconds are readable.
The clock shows 11.49.39
